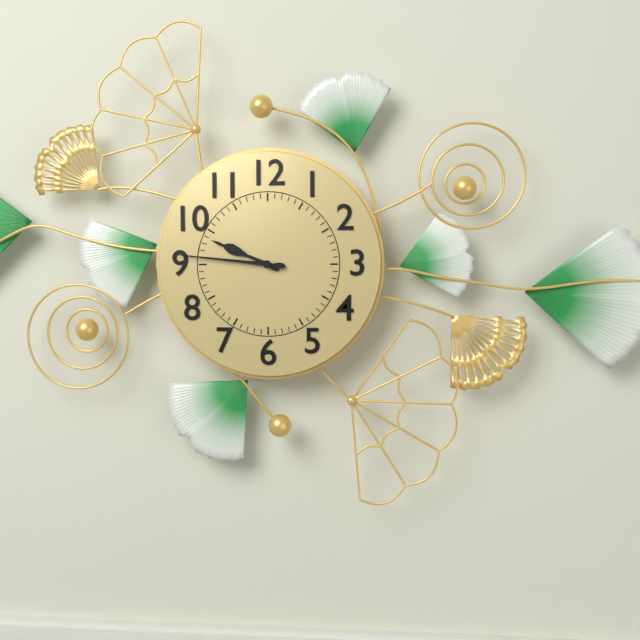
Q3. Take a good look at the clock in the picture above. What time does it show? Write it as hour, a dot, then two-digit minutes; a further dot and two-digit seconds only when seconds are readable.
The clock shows 9.46
